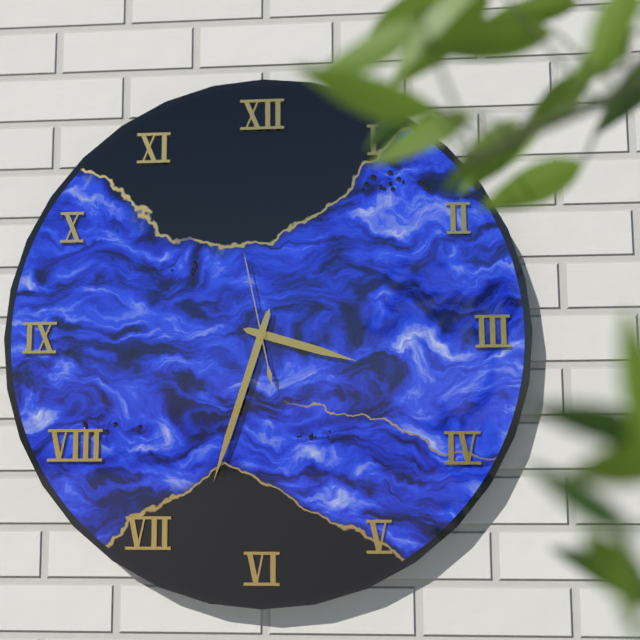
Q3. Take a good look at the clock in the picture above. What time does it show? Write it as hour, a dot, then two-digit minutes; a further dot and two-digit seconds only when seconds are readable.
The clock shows 3.33.58
